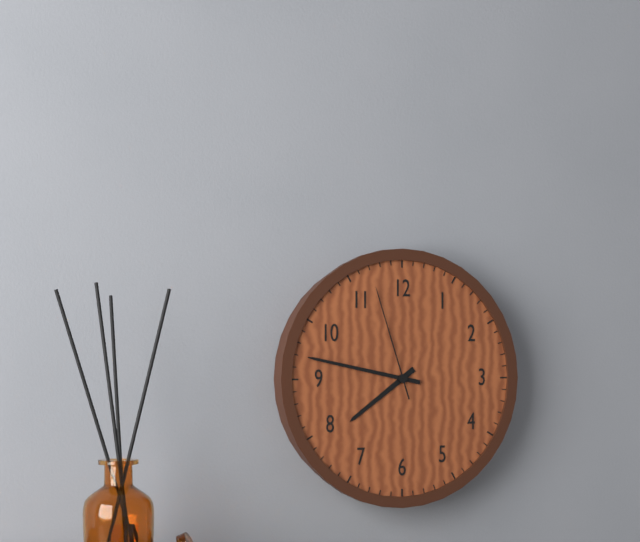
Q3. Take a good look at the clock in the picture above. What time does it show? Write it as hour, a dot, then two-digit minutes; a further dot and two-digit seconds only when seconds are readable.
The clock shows 7.47.57
